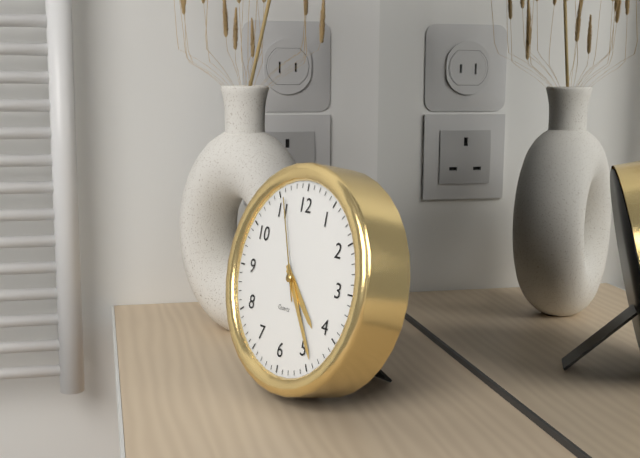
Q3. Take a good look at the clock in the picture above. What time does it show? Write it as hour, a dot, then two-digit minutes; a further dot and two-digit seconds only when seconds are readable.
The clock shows 4.24.56
